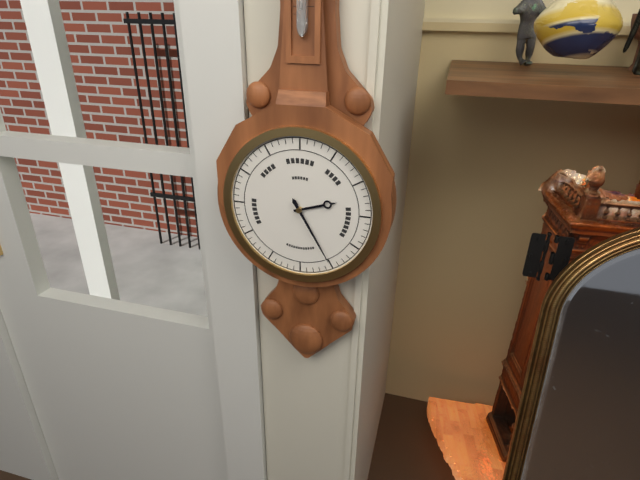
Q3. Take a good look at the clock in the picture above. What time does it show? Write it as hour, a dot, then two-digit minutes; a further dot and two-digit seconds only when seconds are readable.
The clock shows 2.25
